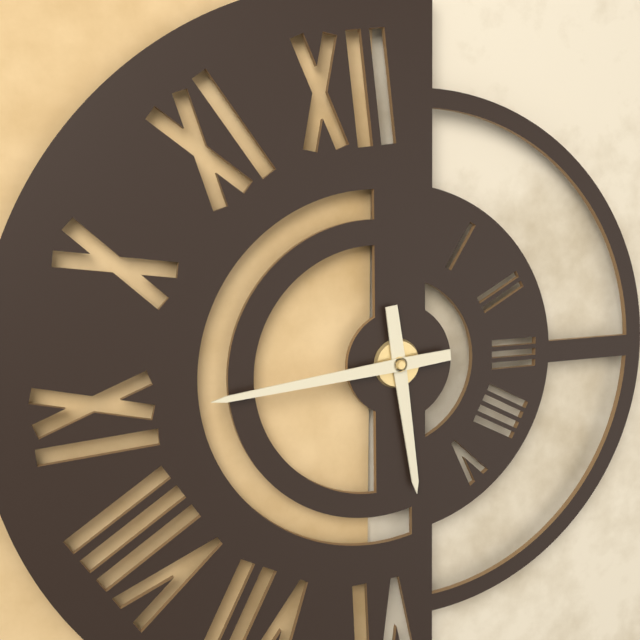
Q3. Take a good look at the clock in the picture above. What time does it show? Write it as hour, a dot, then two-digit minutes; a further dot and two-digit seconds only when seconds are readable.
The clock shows 5.44
